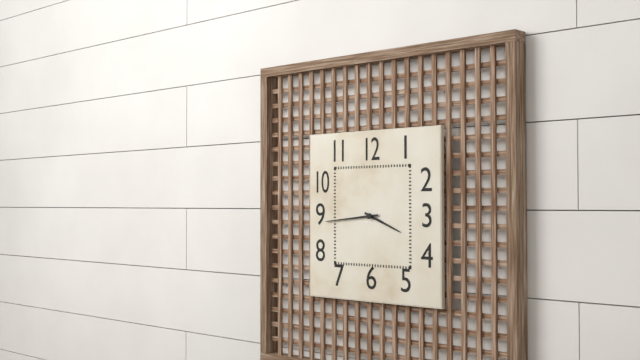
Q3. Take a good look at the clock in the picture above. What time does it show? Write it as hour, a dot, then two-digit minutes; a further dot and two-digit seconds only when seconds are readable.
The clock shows 3.44
